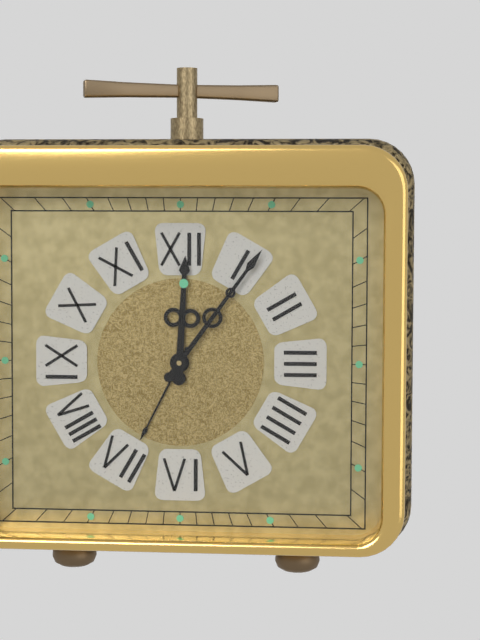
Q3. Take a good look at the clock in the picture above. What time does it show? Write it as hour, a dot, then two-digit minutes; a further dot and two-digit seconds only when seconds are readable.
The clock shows 12.06
